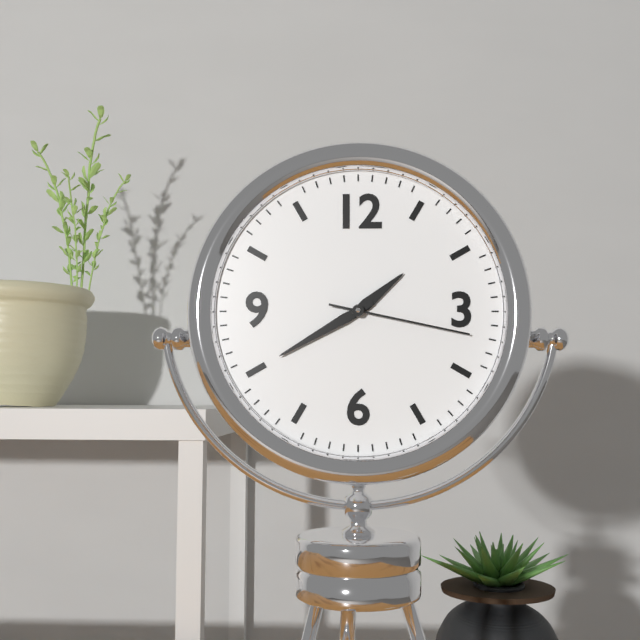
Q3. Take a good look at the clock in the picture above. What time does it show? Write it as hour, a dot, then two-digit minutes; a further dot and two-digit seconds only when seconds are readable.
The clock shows 1.40.17
